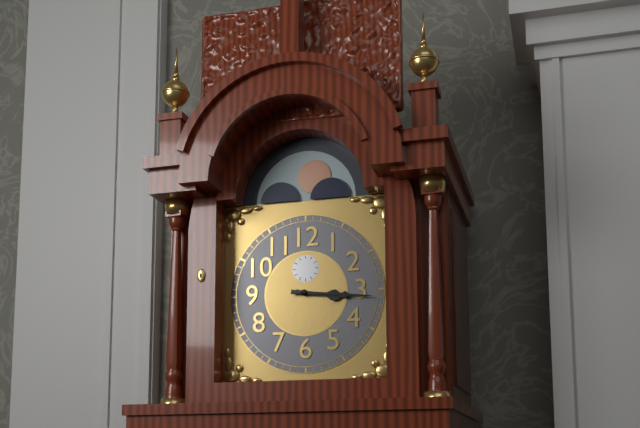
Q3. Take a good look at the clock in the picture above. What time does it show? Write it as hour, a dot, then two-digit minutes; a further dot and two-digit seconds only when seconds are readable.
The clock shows 3.16
